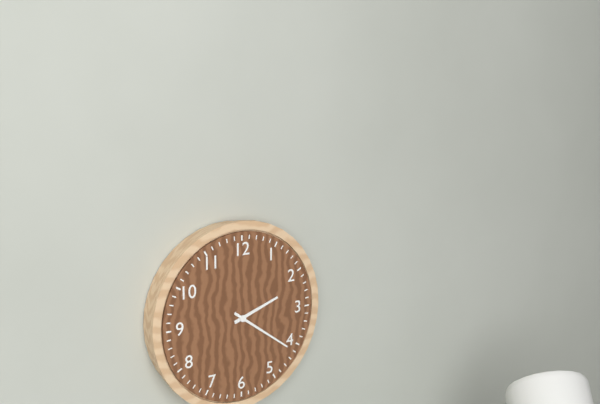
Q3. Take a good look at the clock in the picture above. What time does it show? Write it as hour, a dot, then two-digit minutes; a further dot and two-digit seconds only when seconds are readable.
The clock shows 2.21
